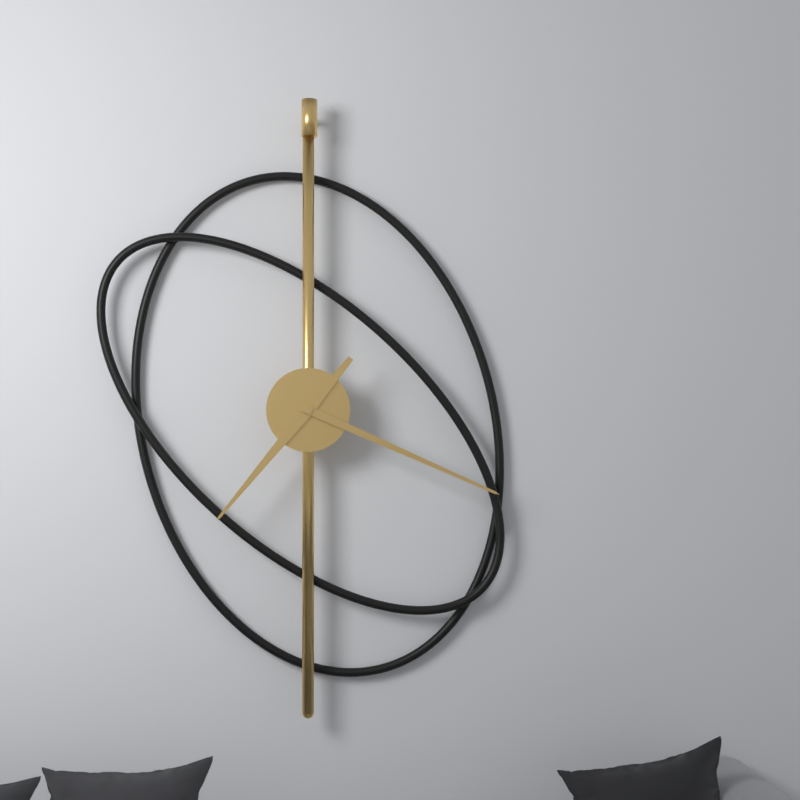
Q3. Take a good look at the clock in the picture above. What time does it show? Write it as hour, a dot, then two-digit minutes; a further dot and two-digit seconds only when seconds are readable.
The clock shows 7.19
